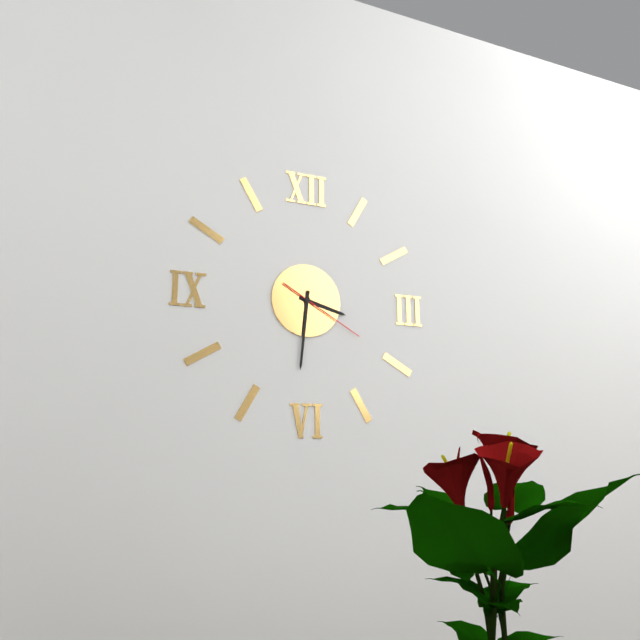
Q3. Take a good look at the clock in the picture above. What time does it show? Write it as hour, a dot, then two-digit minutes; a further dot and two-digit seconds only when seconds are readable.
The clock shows 3.31.20
